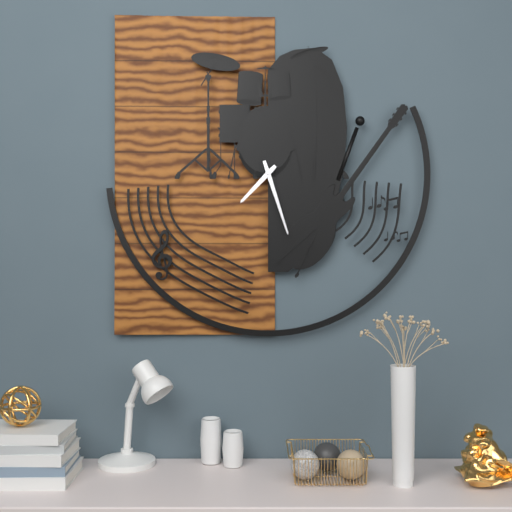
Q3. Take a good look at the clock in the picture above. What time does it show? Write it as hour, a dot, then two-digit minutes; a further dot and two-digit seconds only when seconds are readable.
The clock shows 7.27
